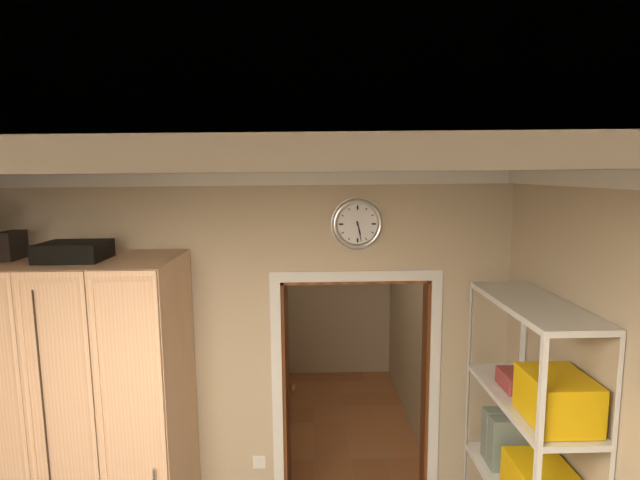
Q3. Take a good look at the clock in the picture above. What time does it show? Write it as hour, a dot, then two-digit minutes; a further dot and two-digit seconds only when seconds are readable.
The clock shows 5.28
